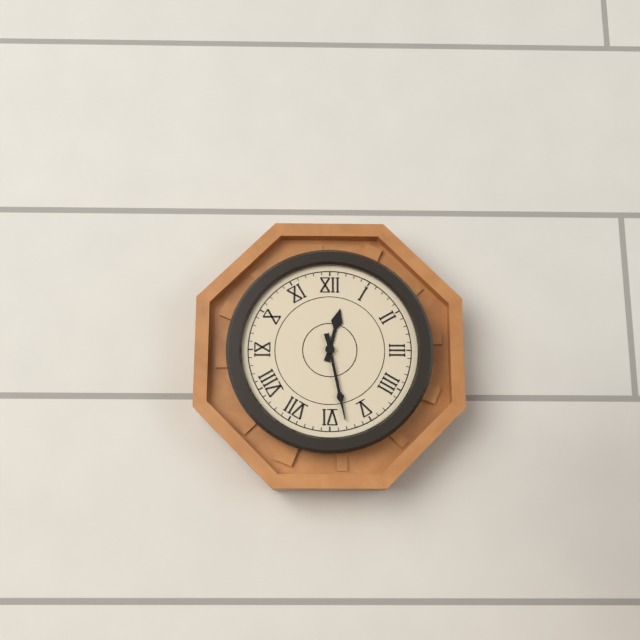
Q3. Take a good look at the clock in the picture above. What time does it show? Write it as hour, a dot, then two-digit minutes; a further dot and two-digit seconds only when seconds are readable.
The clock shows 12.28
